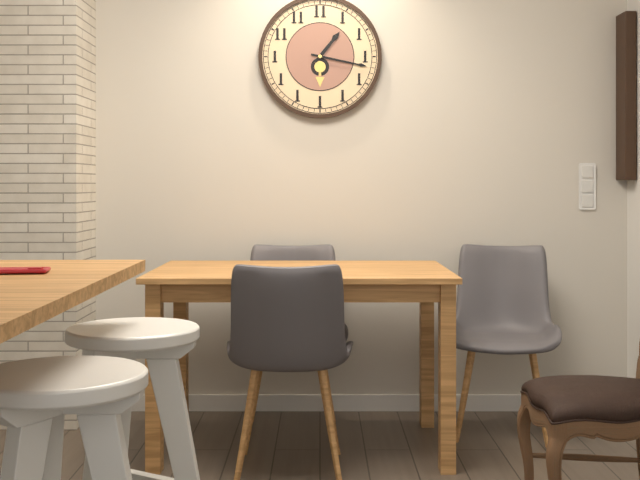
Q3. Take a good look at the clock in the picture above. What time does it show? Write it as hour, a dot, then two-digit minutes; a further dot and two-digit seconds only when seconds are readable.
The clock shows 1.17
